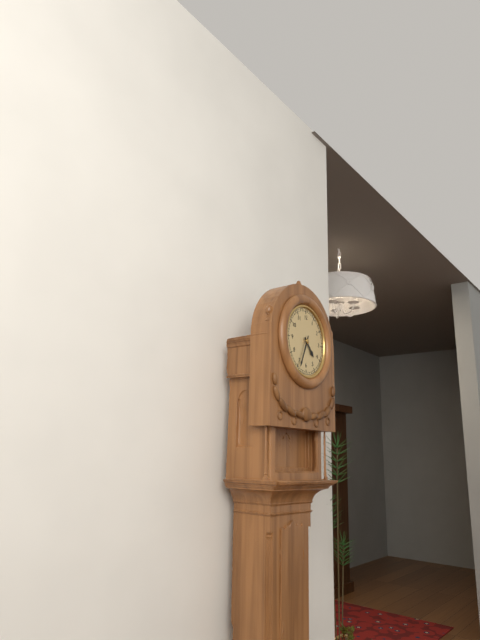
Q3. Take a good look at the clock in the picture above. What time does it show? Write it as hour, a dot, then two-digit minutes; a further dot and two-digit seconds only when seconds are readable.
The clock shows 4.34
